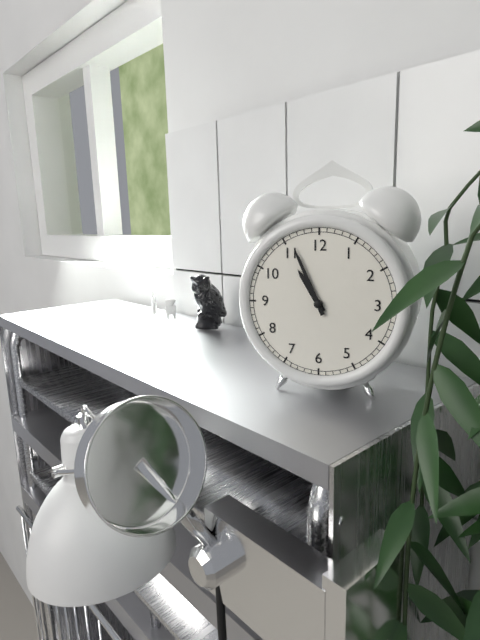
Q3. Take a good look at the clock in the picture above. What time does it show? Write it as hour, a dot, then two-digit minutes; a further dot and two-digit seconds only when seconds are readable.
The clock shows 10.56
